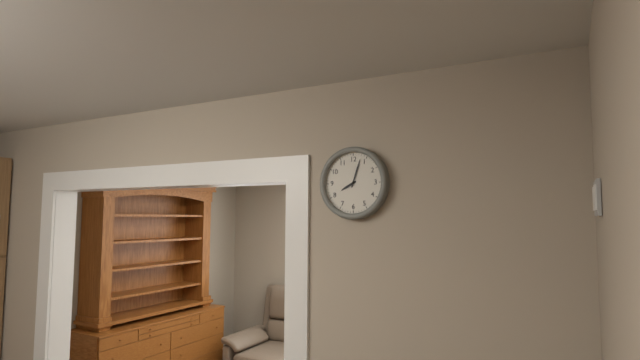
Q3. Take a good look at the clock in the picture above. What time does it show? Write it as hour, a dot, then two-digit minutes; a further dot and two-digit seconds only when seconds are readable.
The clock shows 8.03
